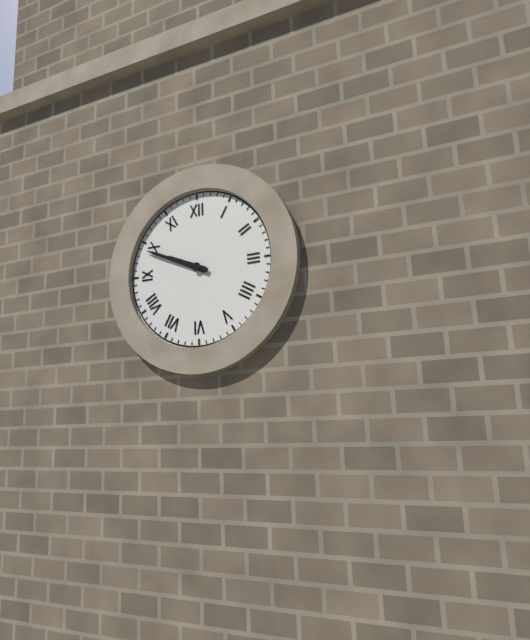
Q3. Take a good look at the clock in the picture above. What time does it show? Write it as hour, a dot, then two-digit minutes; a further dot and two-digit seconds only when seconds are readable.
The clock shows 9.49
